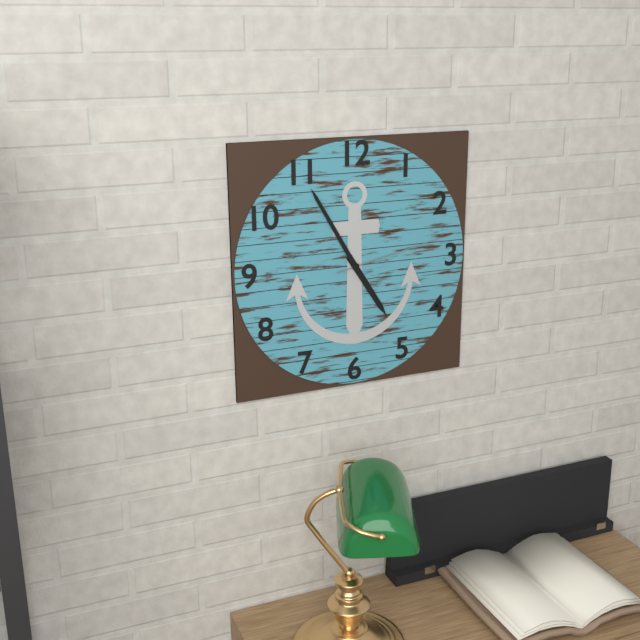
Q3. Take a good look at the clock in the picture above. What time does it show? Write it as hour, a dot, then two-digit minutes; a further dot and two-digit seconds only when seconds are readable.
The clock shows 4.55.13
